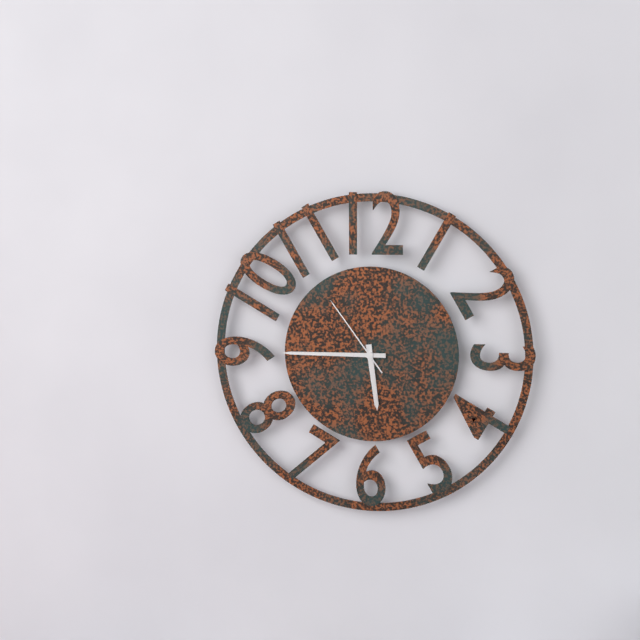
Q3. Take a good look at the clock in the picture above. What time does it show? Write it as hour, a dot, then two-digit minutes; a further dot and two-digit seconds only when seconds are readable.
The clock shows 5.45.54
